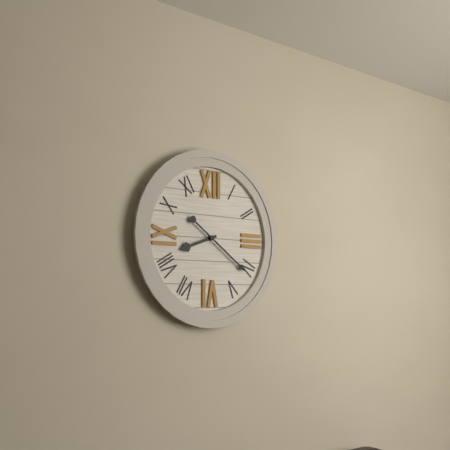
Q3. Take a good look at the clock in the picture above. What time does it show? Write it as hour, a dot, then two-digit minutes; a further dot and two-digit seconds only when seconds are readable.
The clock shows 8.21
